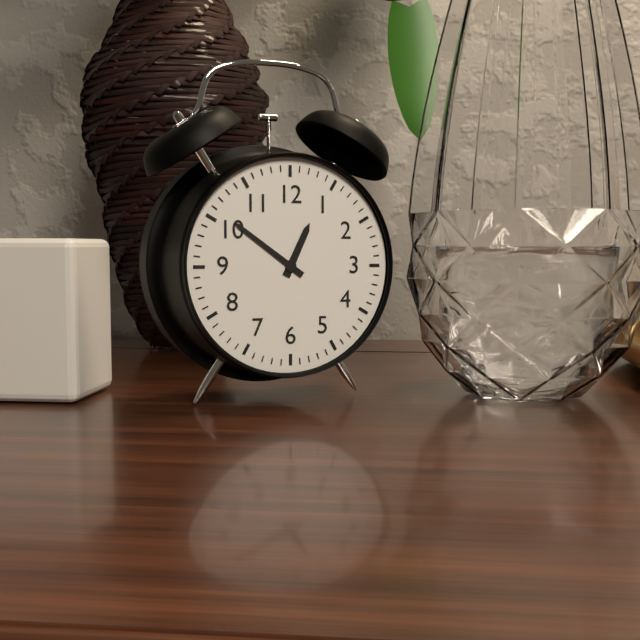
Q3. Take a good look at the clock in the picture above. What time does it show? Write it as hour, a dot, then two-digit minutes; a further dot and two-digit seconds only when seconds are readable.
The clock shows 12.51
